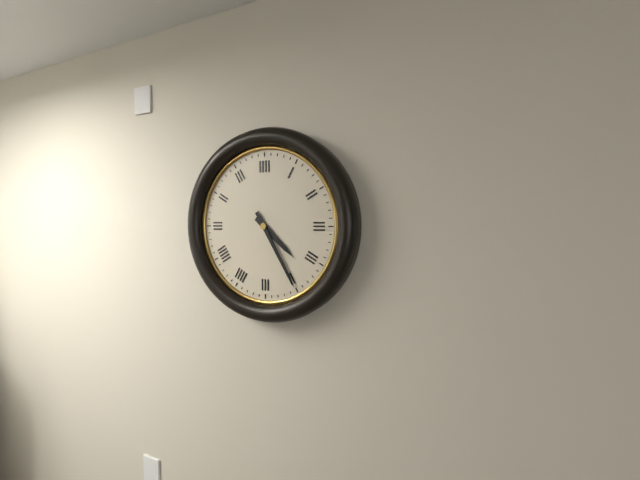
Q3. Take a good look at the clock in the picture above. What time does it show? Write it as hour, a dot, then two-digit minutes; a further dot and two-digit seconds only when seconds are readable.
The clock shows 4.25
